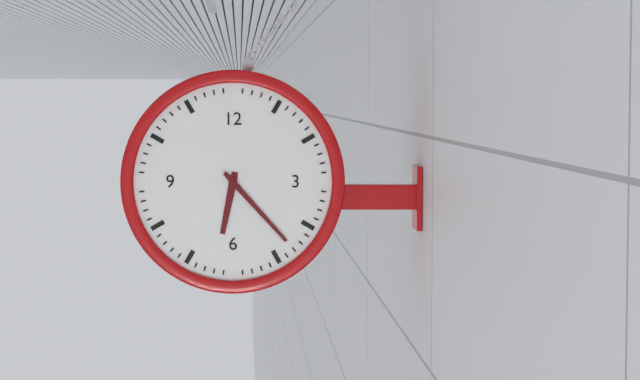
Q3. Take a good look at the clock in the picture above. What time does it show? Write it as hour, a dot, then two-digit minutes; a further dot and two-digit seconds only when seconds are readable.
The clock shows 6.23
